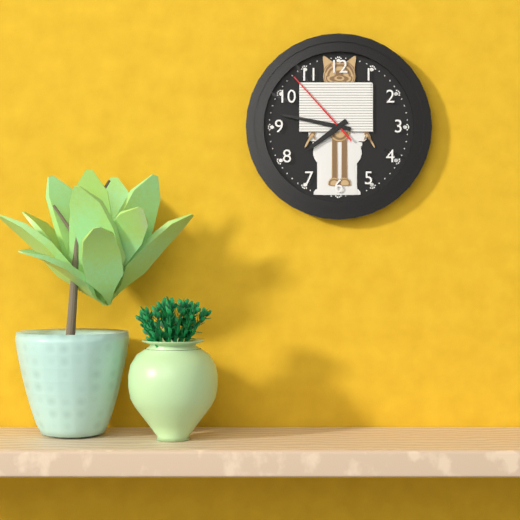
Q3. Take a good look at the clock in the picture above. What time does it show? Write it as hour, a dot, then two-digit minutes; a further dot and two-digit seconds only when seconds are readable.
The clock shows 7.47.53
